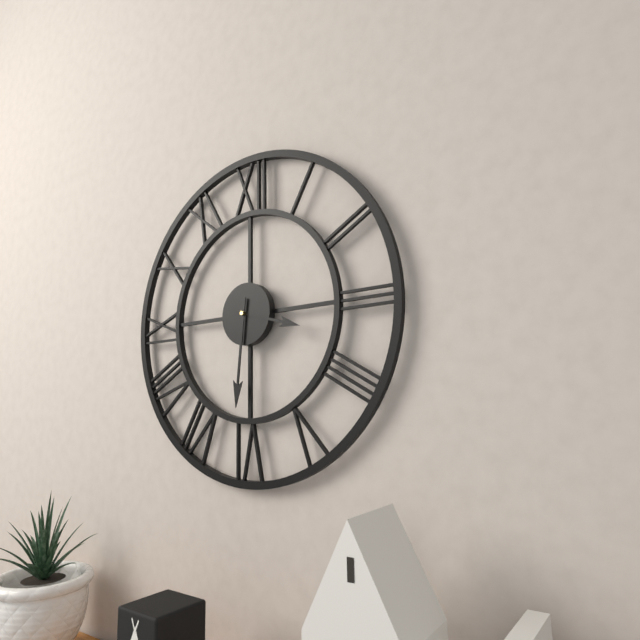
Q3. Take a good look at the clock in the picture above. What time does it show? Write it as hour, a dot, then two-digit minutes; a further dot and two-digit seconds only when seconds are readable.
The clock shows 3.31
